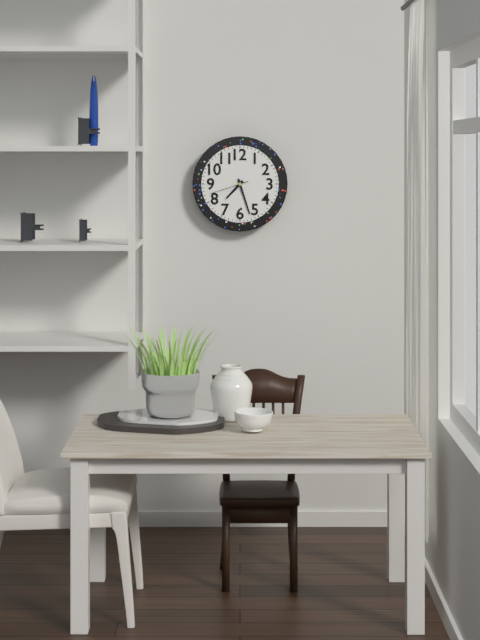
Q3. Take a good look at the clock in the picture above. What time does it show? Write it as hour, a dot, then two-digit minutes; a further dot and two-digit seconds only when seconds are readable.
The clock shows 7.27
